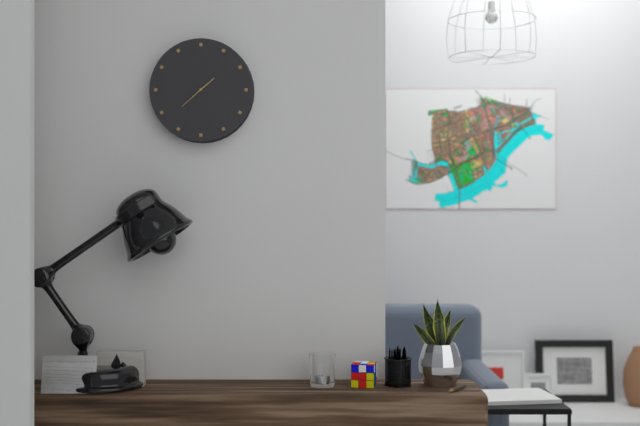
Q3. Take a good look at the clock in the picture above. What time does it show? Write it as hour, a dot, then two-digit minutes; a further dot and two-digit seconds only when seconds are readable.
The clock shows 1.38
